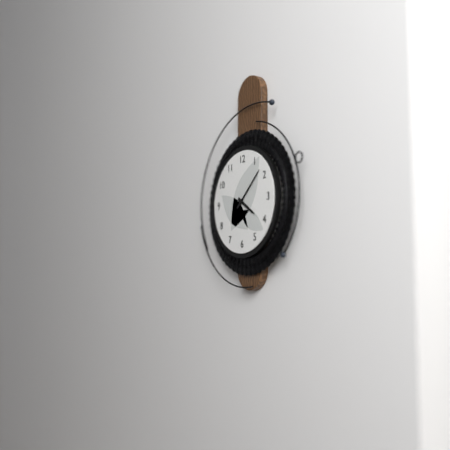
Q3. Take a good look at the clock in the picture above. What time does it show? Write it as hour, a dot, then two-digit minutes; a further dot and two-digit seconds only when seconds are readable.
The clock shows 4.08
